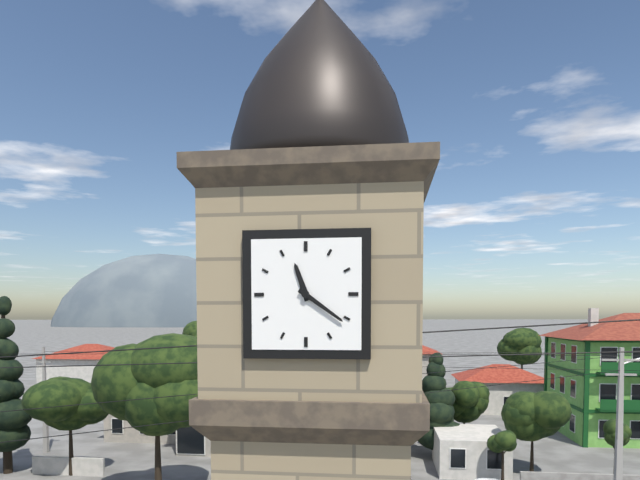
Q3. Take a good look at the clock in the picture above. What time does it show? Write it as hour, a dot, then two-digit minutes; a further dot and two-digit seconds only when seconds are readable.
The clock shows 11.21
